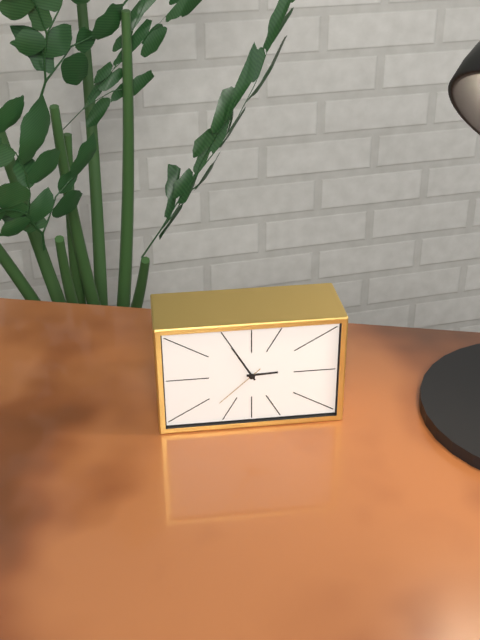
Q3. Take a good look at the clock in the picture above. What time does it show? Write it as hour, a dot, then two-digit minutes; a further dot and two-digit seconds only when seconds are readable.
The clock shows 2.55.38
